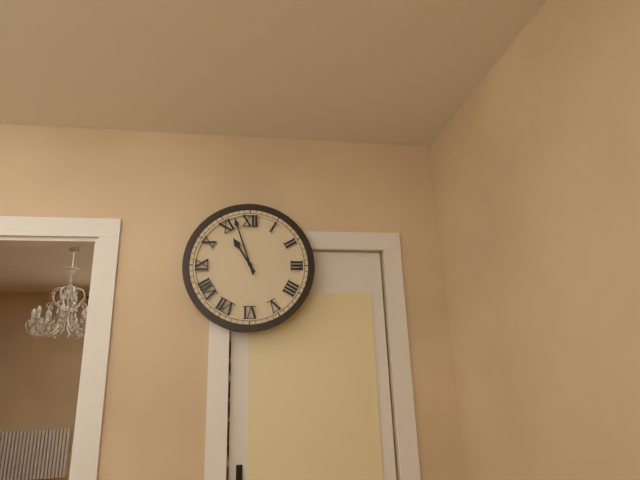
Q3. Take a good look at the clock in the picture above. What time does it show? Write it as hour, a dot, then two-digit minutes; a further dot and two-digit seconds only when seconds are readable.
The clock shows 10.57
